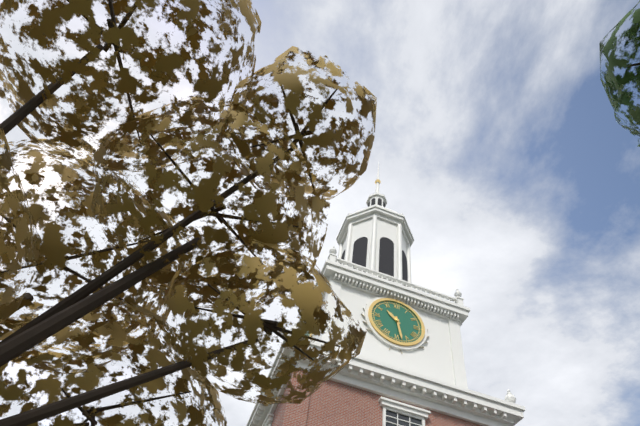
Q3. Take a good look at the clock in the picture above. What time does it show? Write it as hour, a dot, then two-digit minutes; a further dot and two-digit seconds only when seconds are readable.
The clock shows 10.28
